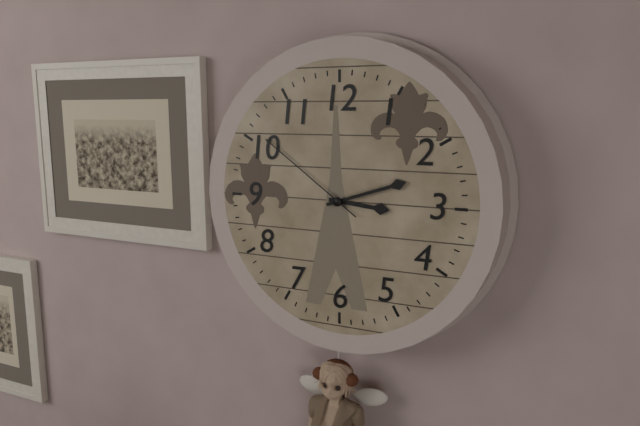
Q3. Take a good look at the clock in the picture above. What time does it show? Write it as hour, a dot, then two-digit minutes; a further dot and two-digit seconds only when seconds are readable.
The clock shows 3.12.51
